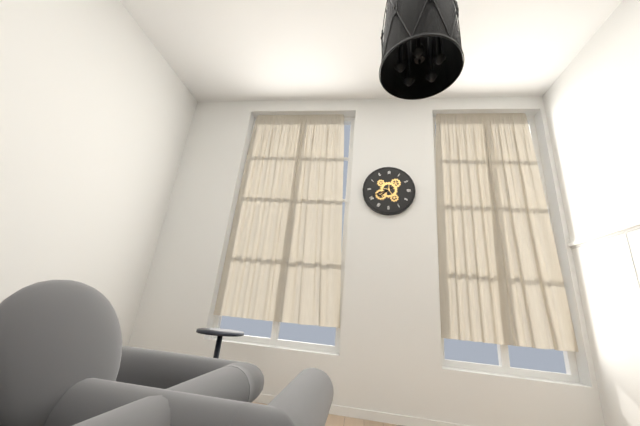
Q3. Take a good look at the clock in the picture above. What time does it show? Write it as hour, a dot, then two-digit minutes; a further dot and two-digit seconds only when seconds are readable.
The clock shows 7.41
